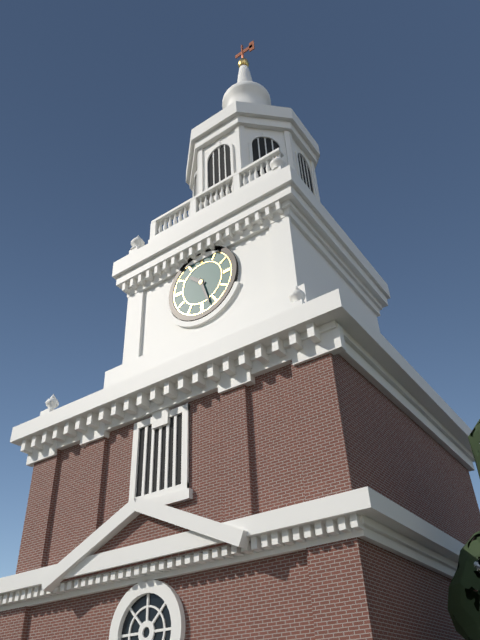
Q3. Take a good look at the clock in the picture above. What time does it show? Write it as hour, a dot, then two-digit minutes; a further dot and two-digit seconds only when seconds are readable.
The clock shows 10.27
